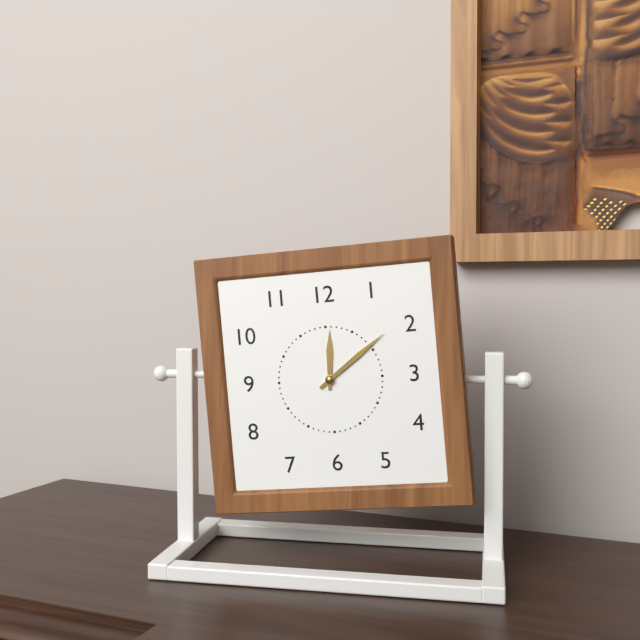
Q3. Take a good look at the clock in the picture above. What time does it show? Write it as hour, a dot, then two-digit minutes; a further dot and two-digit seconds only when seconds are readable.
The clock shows 12.09
